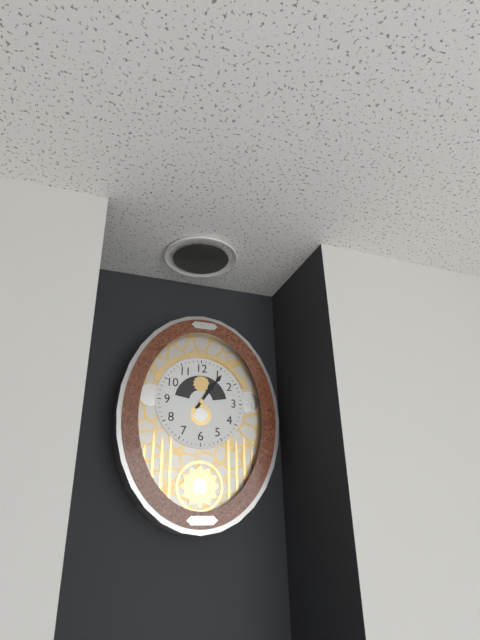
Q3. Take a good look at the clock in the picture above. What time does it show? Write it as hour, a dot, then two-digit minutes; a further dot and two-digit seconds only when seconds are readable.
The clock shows 1.06
